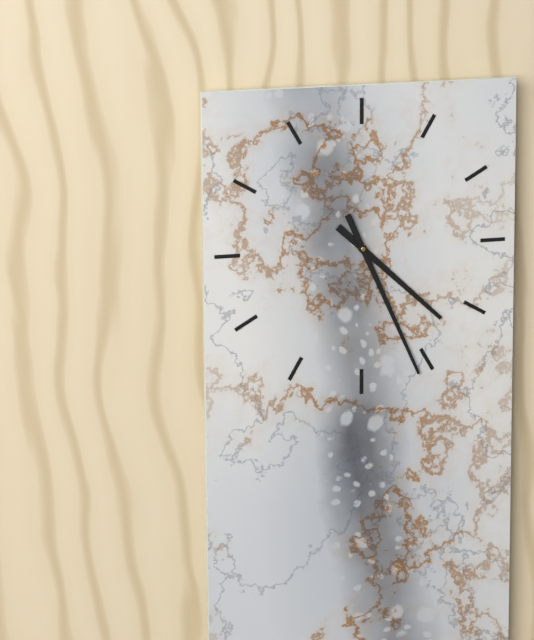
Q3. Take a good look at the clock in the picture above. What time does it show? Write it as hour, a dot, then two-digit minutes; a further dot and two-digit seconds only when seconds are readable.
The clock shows 4.26
